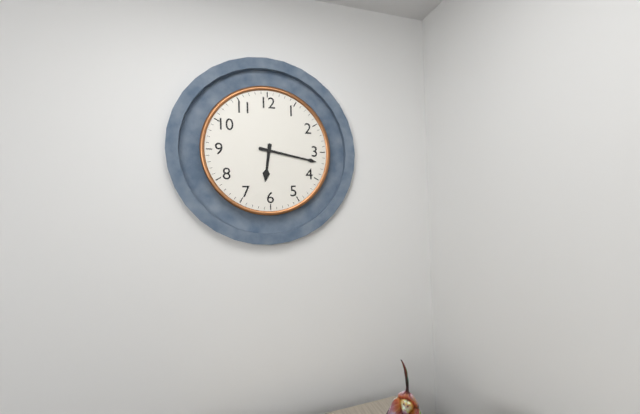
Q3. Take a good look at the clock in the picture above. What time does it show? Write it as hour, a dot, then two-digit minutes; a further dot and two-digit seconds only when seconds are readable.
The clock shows 6.17
